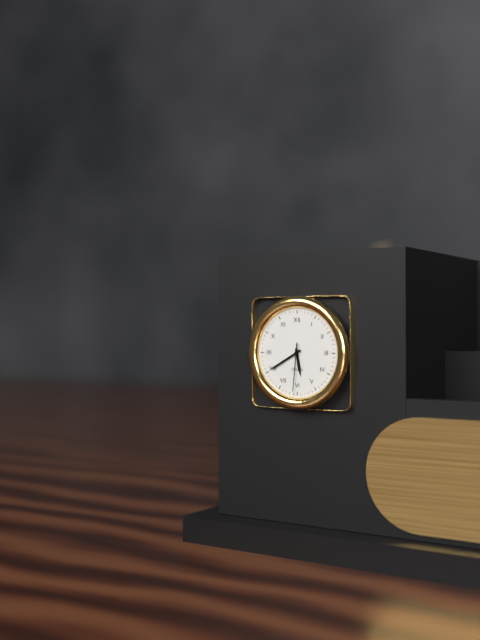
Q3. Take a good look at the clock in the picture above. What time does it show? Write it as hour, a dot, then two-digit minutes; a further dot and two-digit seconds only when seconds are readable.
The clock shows 5.40
